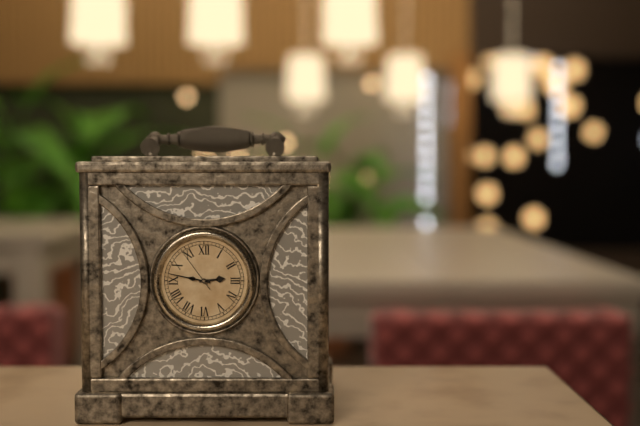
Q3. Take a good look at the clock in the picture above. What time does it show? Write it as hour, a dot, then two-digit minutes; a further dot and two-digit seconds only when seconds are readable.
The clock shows 2.47
